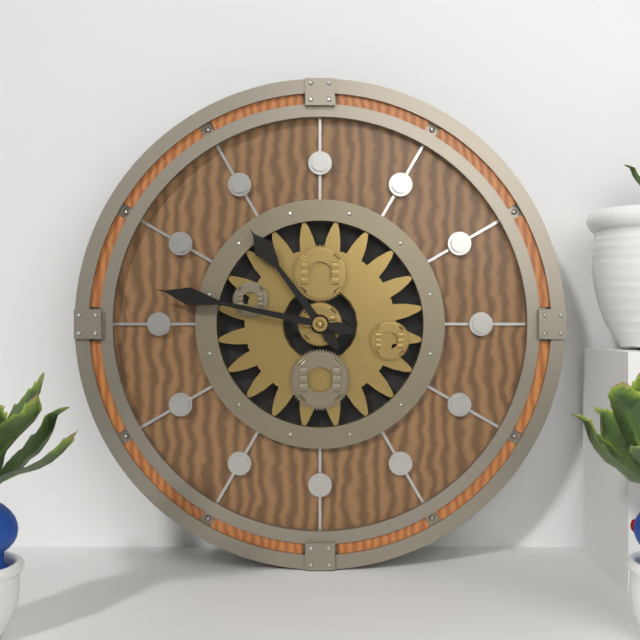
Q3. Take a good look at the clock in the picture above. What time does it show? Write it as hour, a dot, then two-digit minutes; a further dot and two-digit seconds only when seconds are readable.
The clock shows 10.47
